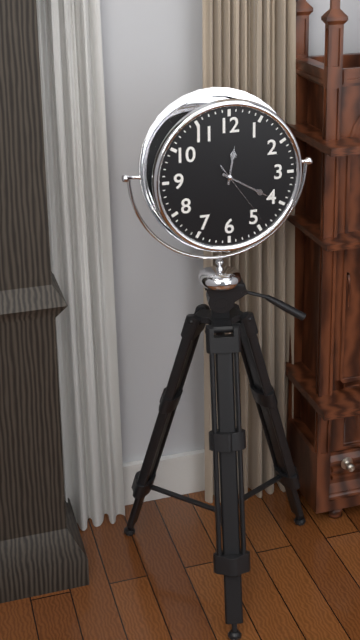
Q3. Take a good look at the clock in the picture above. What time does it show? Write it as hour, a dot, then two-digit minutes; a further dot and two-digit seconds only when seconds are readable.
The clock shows 12.20.24
